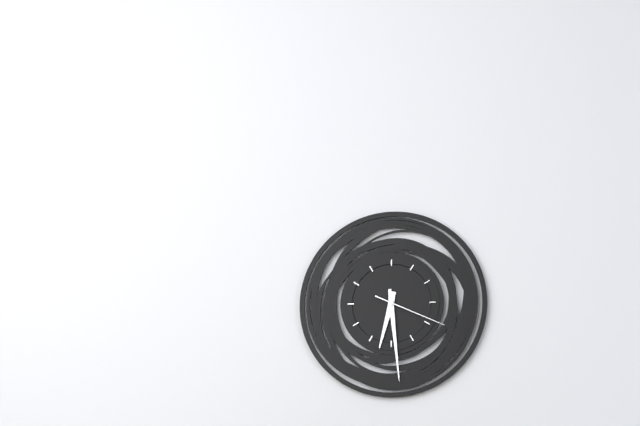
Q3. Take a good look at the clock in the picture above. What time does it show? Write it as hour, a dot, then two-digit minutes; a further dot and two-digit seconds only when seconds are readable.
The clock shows 6.29.19
